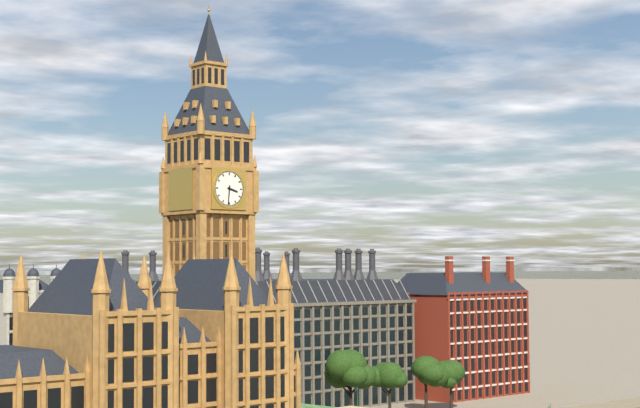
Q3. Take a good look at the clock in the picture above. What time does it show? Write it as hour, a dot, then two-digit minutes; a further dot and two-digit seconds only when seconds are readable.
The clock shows 3.31
